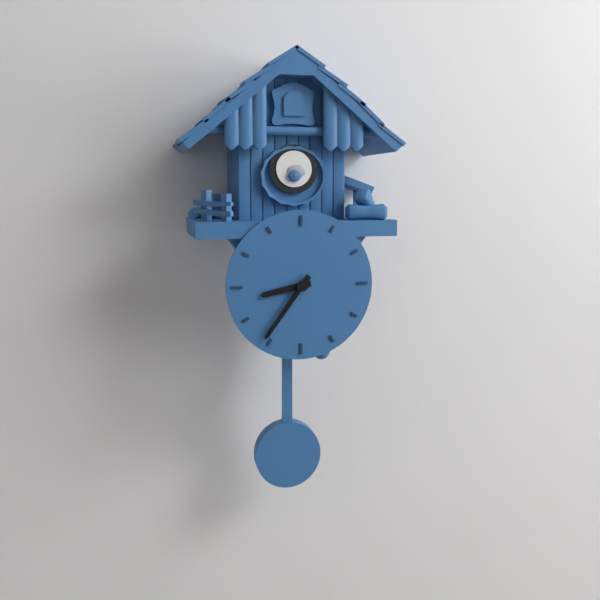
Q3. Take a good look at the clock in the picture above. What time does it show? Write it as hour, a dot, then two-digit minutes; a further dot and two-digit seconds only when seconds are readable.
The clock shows 8.36
